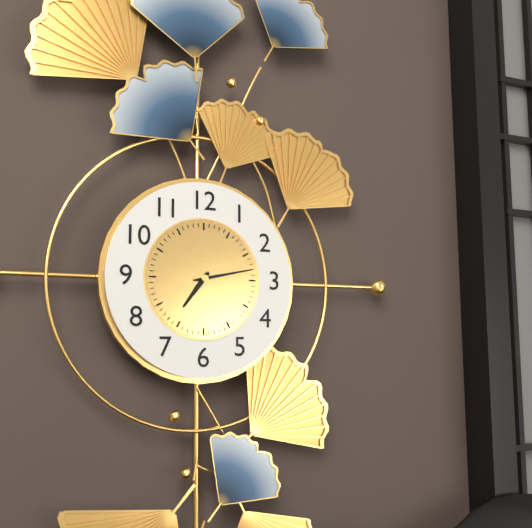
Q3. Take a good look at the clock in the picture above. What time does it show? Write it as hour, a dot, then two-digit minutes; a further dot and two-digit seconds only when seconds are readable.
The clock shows 7.13
